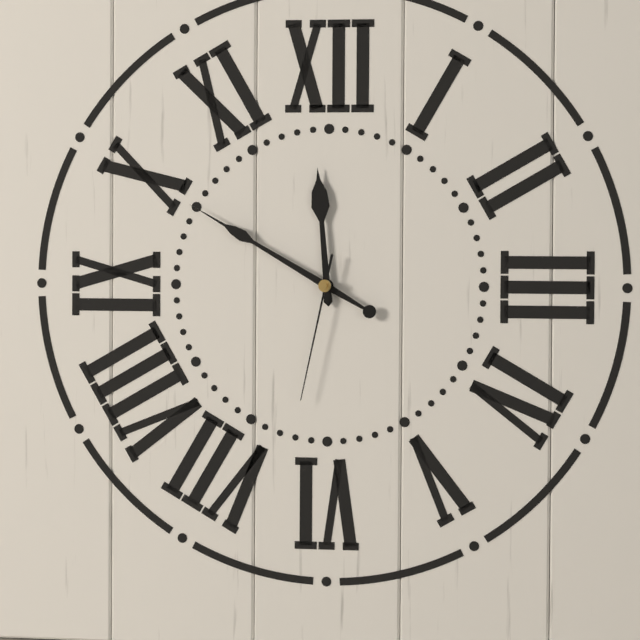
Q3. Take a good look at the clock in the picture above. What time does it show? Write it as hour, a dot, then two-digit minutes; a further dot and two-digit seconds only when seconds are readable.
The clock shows 11.50.32
